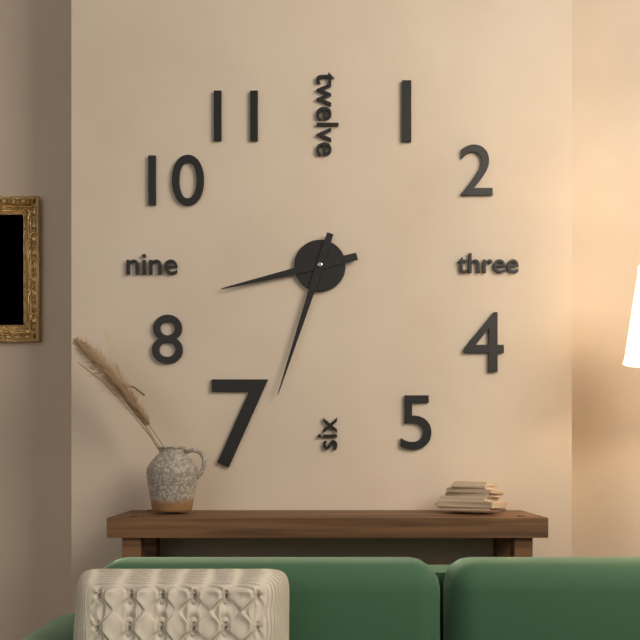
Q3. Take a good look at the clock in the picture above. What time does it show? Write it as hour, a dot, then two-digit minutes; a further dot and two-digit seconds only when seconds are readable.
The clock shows 8.33
